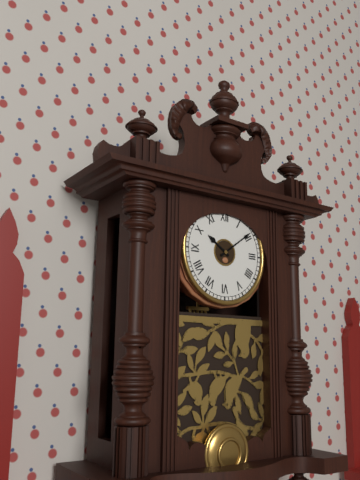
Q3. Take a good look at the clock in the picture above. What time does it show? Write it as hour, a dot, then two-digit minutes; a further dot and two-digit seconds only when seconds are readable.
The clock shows 10.09
